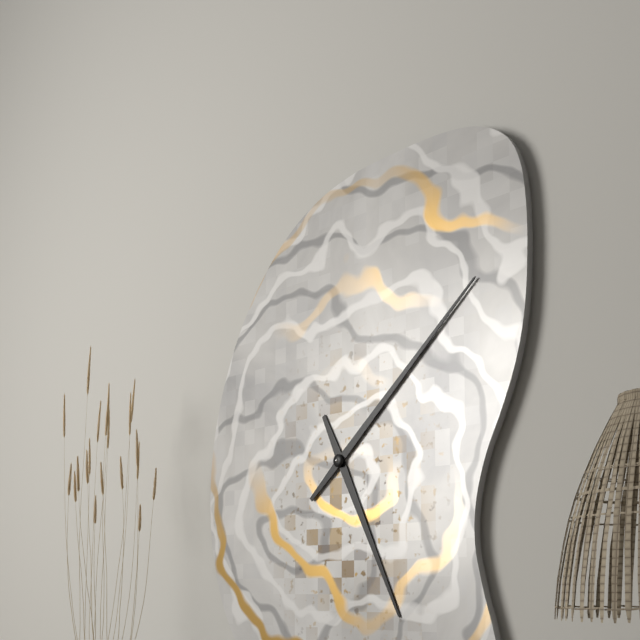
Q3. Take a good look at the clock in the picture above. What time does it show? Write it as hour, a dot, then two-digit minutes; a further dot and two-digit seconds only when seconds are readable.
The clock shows 5.08
